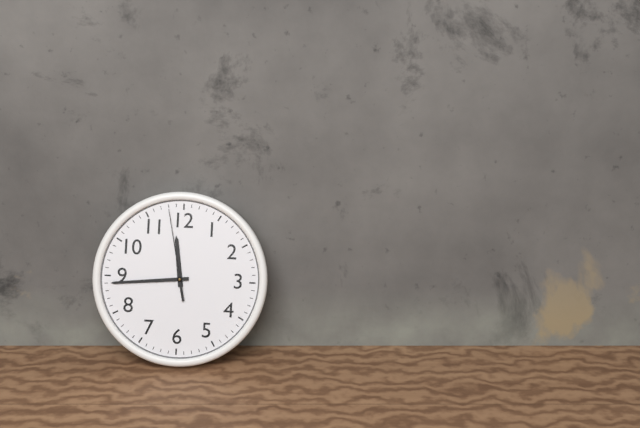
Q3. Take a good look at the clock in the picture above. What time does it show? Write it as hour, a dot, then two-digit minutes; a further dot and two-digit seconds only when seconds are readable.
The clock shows 11.44.58
